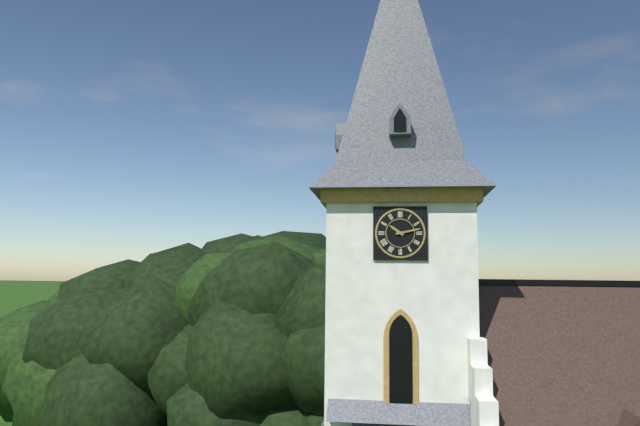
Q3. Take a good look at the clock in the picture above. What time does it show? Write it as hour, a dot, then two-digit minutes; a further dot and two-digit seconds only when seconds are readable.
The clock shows 10.13
